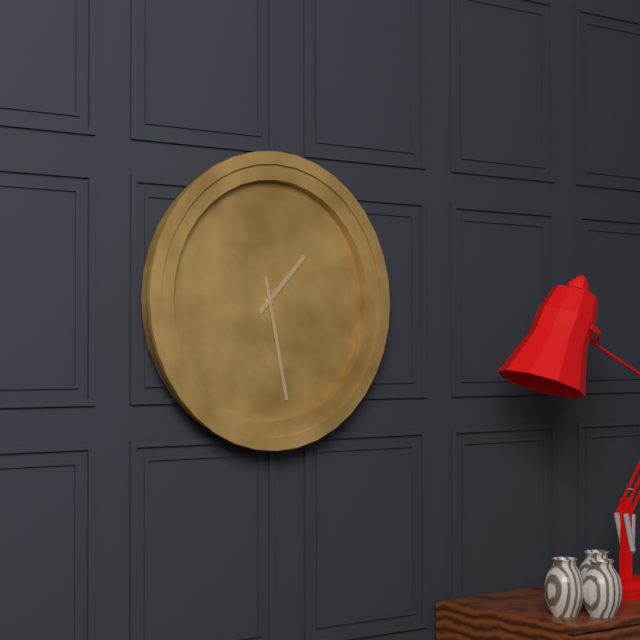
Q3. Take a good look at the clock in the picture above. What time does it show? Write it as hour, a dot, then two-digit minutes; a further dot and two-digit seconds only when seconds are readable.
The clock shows 1.28
